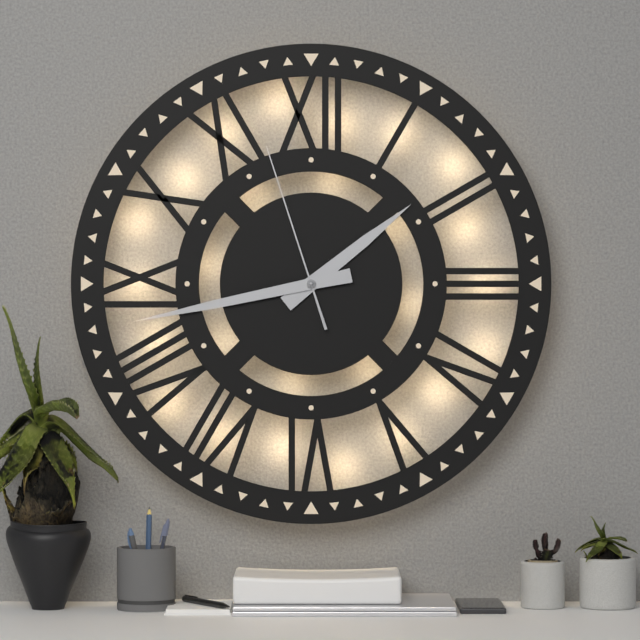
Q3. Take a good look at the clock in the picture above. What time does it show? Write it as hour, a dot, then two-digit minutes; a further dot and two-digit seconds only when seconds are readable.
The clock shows 1.43.57
